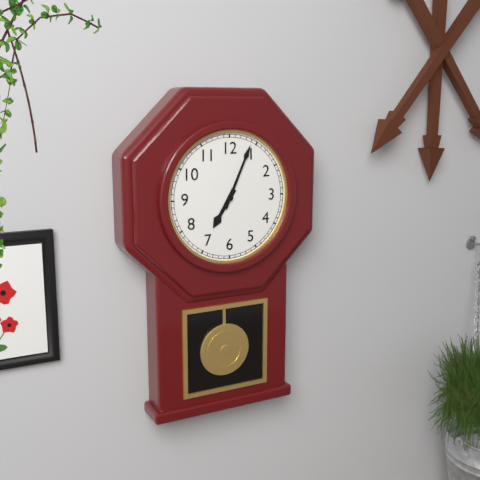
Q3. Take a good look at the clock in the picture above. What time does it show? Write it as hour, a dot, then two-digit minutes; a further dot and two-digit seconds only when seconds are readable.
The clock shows 7.04
